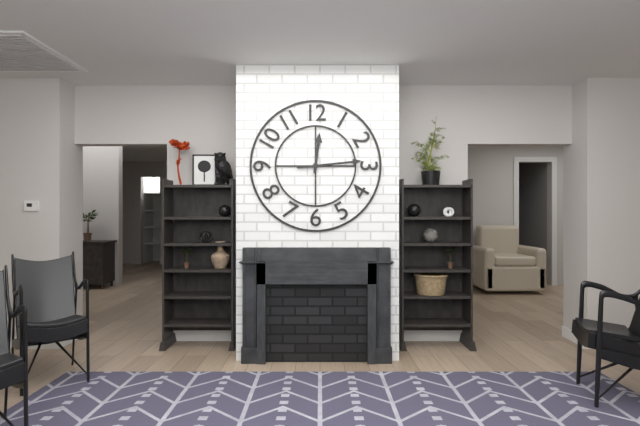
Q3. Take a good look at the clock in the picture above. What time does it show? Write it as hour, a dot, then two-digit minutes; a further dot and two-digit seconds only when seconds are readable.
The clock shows 12.14
